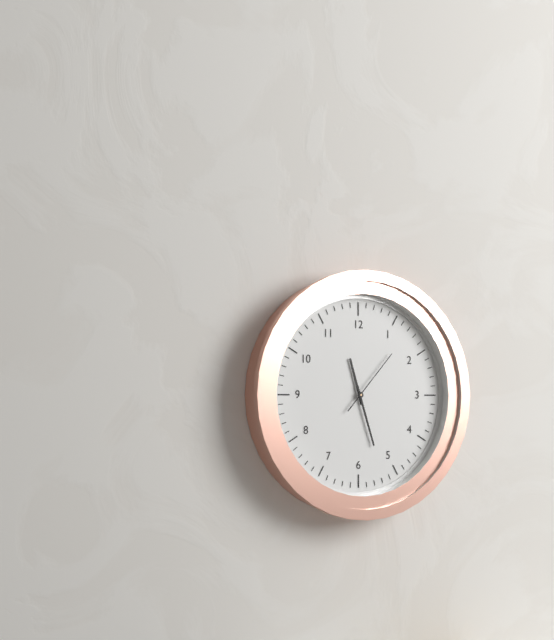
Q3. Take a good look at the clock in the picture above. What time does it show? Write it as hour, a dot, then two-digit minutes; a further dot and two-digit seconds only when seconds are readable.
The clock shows 11.27.07
